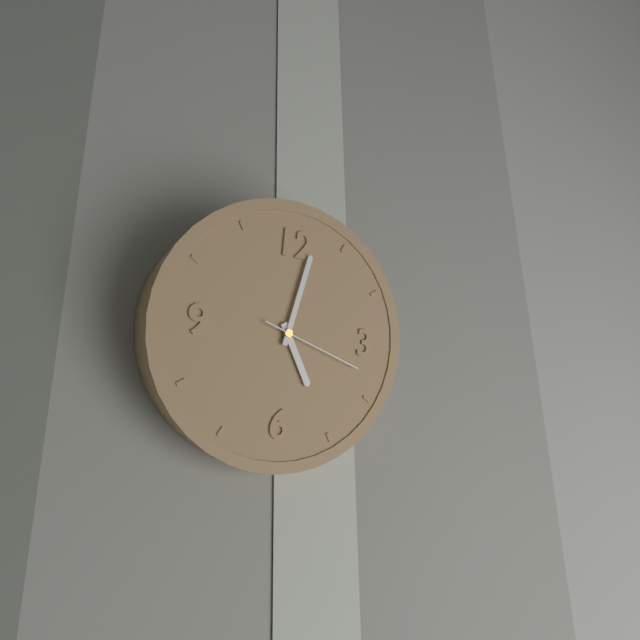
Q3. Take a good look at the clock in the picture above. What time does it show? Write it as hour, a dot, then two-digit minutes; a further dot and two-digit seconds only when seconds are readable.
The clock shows 5.02.18
